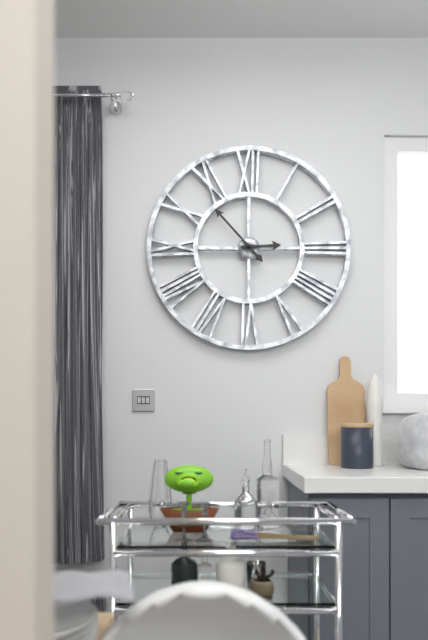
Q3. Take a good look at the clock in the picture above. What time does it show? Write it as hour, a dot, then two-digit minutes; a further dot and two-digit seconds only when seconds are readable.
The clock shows 2.53
